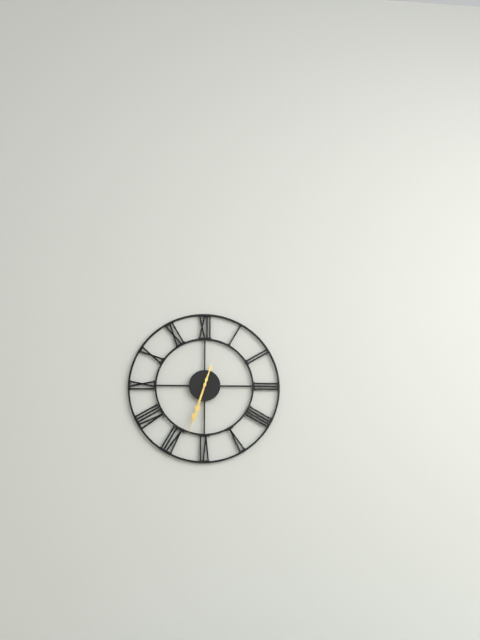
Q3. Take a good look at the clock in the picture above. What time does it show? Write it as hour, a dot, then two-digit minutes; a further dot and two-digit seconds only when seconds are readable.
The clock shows 6.33
